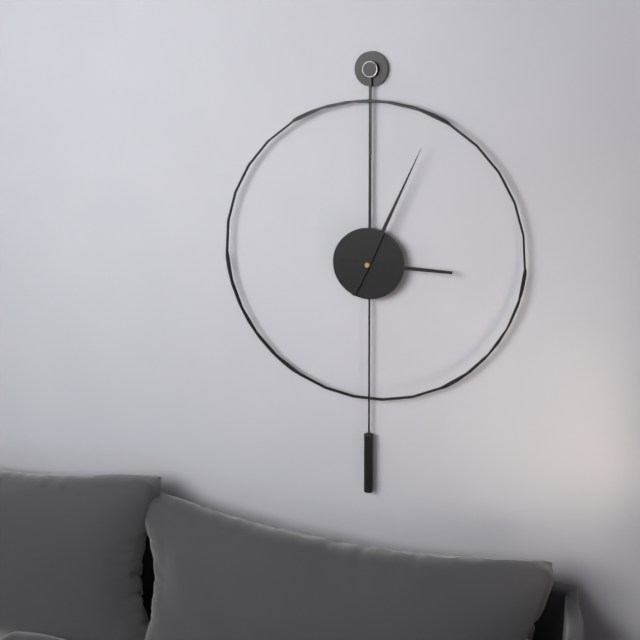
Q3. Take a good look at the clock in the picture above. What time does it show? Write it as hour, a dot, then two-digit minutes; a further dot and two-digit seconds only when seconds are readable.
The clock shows 3.04
